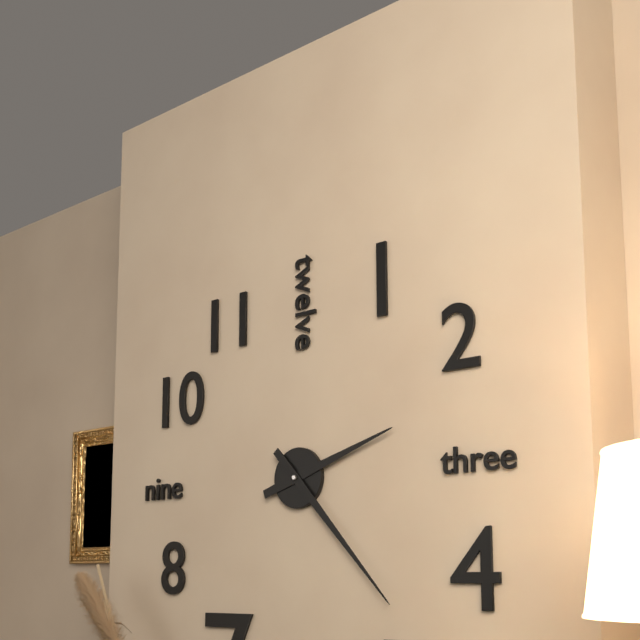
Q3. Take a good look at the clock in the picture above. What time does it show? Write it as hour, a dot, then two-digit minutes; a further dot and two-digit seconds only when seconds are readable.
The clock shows 2.23
